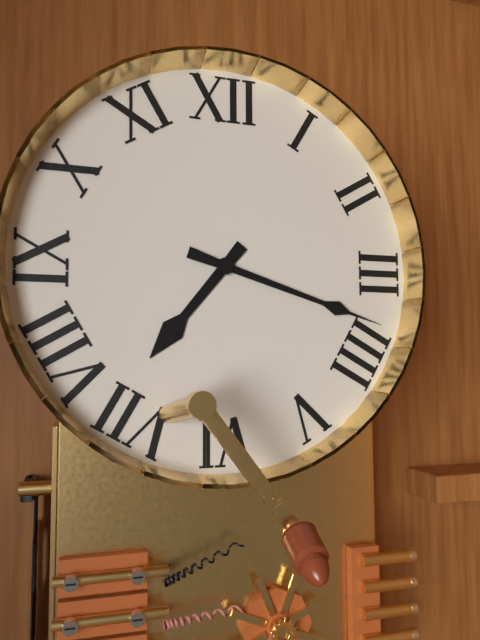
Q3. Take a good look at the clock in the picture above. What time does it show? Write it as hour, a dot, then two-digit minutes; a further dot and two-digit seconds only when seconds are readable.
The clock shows 7.18
